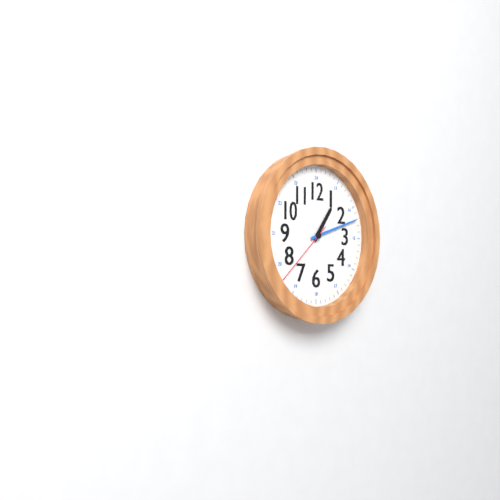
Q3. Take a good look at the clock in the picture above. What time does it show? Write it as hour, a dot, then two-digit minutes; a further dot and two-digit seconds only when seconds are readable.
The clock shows 1.12.38
